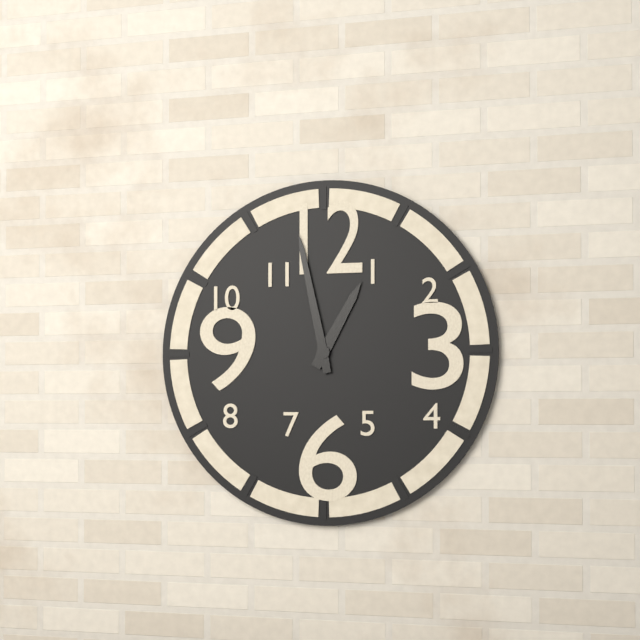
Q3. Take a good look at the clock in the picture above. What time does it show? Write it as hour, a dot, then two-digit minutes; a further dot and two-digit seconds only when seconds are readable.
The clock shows 12.58
